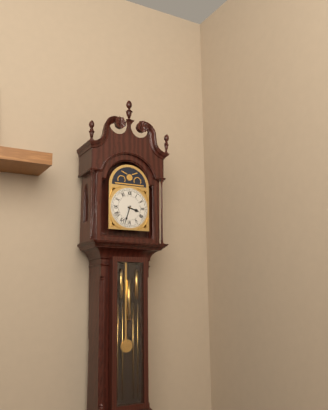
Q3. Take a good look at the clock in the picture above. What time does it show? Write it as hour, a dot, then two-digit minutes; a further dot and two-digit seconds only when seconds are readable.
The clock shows 3.33
